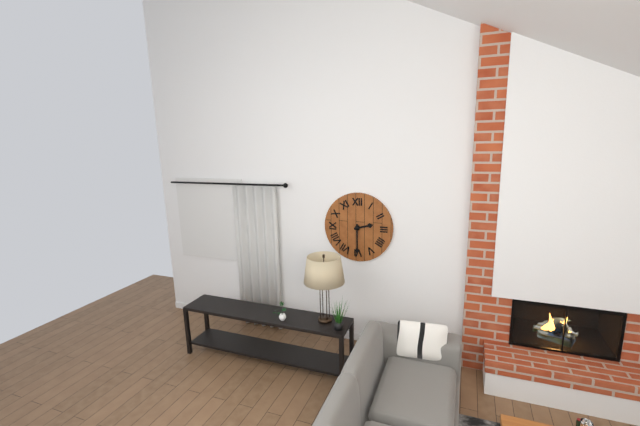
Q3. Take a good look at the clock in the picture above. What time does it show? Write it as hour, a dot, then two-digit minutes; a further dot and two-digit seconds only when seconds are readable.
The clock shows 2.30
